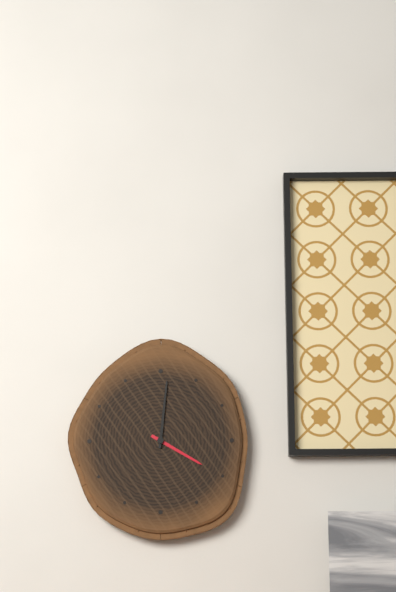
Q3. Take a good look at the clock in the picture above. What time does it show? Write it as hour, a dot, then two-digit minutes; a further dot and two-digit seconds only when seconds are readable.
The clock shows 4.01
